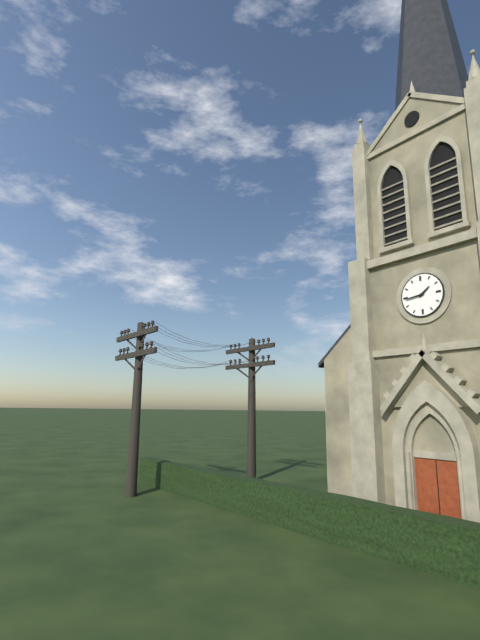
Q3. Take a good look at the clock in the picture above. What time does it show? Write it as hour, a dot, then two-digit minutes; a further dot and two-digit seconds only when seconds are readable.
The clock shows 1.44
